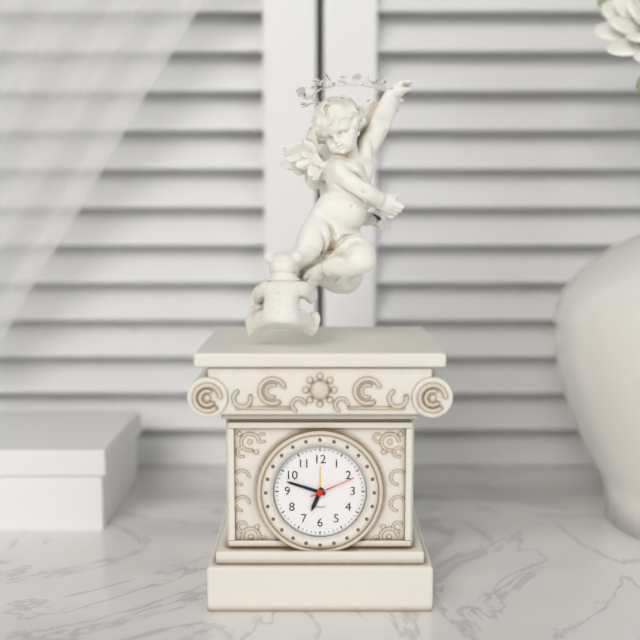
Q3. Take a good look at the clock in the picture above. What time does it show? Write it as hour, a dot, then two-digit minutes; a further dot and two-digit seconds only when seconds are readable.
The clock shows 6.48
